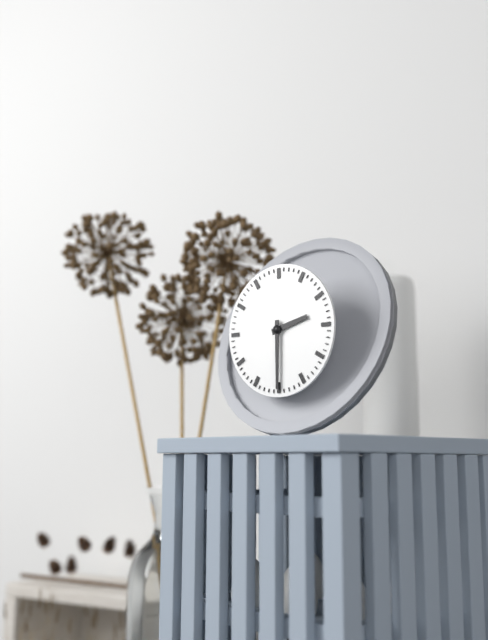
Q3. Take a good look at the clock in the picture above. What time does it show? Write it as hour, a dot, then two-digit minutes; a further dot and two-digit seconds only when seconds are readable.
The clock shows 2.30
